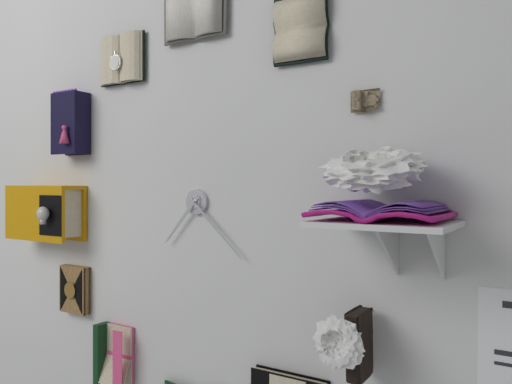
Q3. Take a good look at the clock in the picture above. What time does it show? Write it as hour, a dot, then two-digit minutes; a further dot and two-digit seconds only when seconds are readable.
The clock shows 7.22
